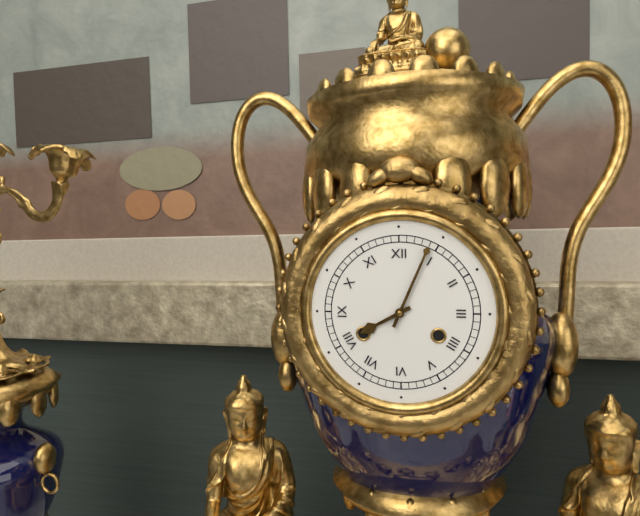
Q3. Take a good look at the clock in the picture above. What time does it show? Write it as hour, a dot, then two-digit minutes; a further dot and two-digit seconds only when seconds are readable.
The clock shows 8.04
